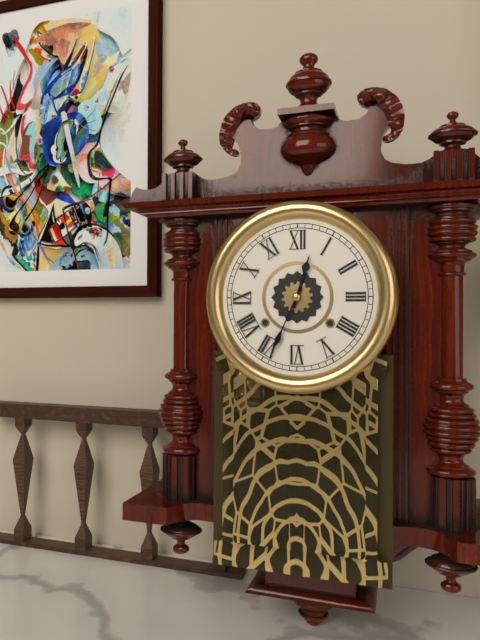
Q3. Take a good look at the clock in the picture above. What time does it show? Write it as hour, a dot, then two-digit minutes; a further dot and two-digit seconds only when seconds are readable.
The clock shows 12.34
